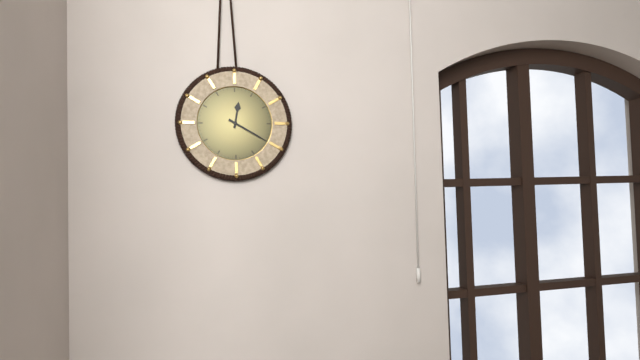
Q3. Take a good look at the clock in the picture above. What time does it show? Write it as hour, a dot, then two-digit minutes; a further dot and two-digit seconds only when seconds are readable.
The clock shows 12.20
